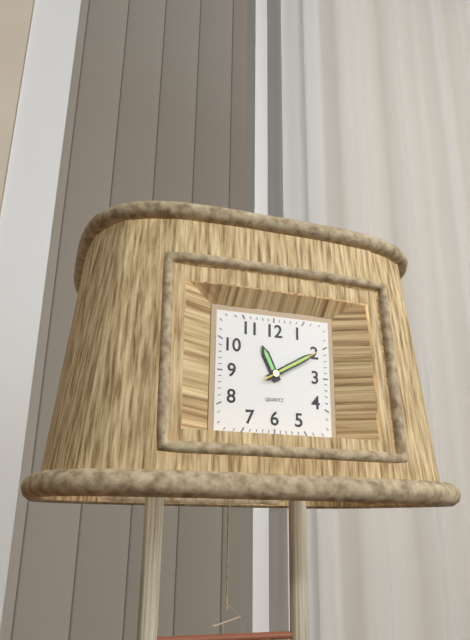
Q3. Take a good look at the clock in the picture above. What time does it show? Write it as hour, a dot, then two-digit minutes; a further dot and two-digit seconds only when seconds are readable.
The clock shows 11.10.10
